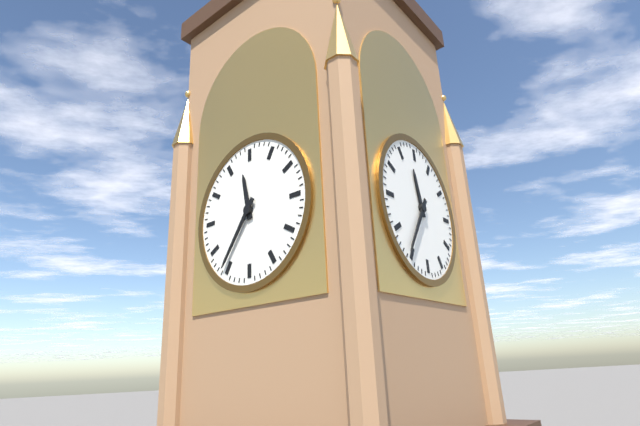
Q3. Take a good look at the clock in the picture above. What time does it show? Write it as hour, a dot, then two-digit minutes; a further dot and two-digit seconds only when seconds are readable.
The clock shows 11.36
